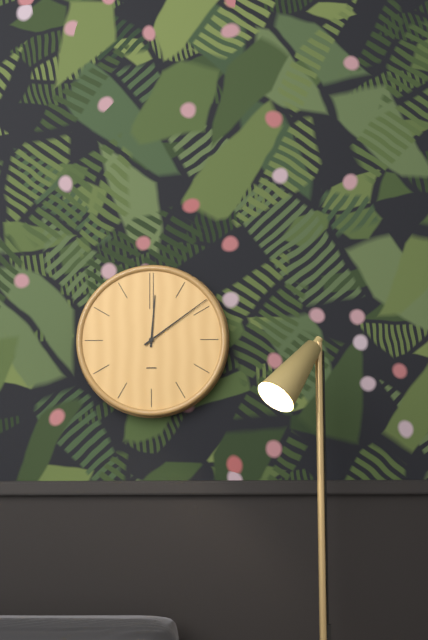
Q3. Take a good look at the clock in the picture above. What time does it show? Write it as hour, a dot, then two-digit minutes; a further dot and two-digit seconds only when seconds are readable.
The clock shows 12.09
